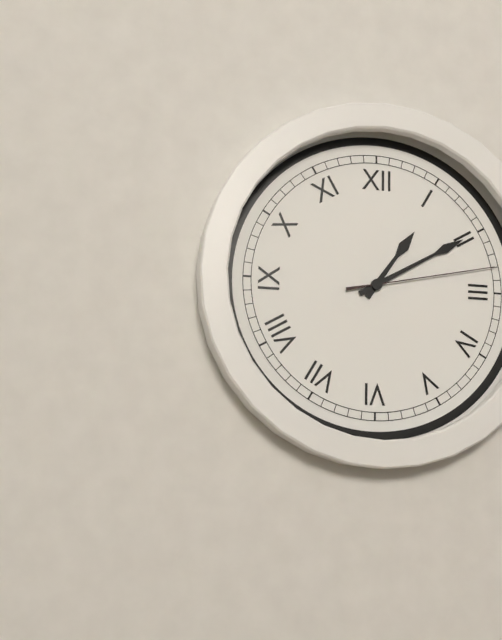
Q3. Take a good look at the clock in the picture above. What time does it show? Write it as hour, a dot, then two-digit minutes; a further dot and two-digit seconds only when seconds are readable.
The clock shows 1.10.13
